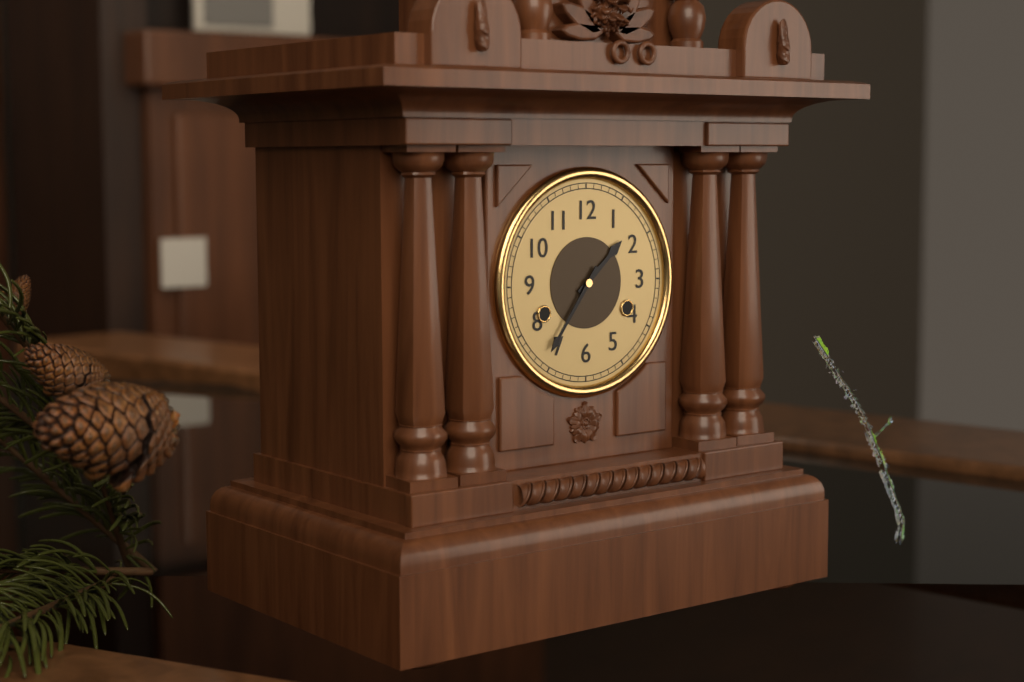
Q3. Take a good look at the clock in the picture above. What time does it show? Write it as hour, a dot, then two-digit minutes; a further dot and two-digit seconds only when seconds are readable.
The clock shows 1.36
